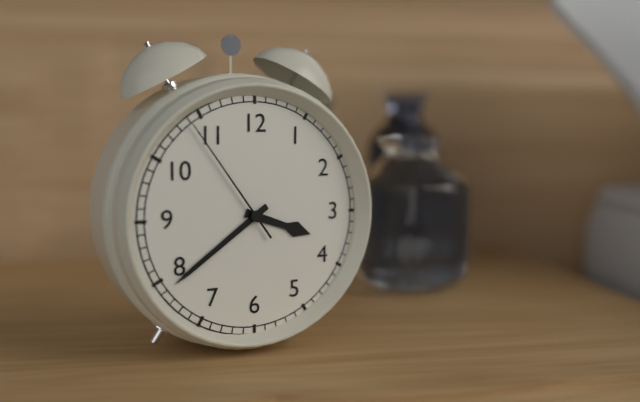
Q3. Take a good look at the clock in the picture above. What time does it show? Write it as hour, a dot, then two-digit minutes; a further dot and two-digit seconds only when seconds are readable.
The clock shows 3.39.54
